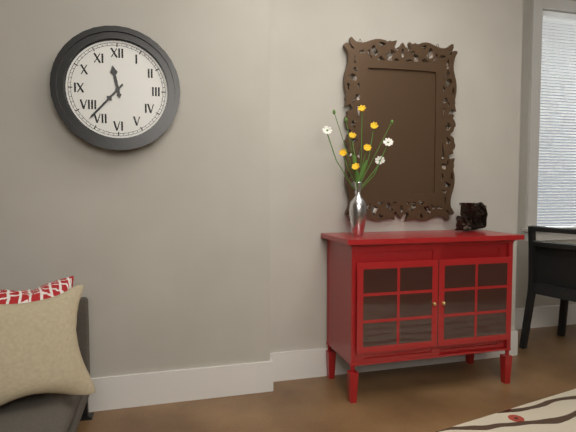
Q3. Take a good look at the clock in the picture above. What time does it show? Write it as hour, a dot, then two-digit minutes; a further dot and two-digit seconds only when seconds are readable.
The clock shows 11.37
